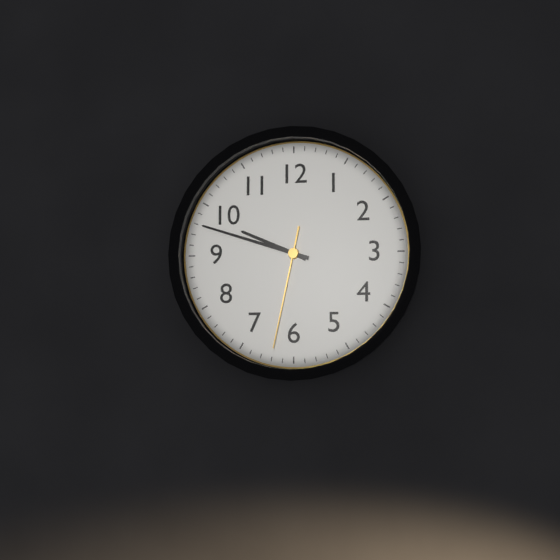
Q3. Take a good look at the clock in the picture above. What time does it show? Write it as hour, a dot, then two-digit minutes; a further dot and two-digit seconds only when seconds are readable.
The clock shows 9.48.32
